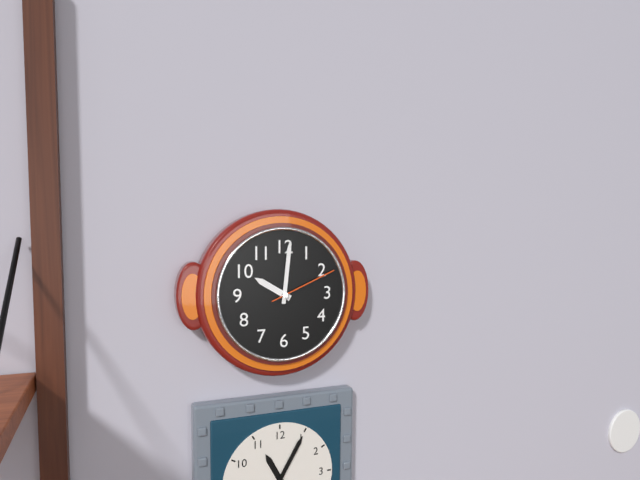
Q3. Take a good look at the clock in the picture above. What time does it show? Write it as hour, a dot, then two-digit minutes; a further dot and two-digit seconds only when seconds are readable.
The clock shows 10.01.11
